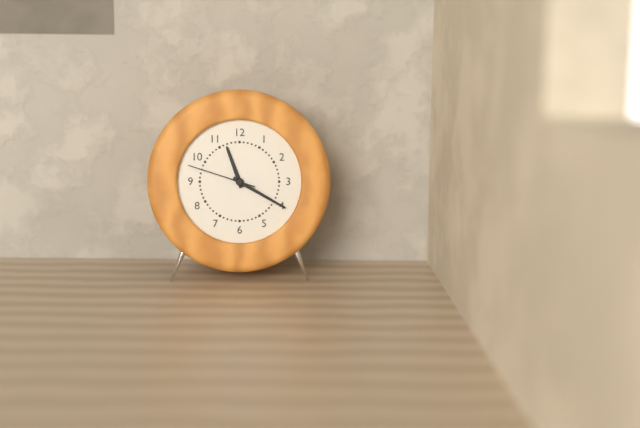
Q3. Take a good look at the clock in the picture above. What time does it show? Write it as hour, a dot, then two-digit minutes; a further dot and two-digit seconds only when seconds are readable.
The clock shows 11.20.48
